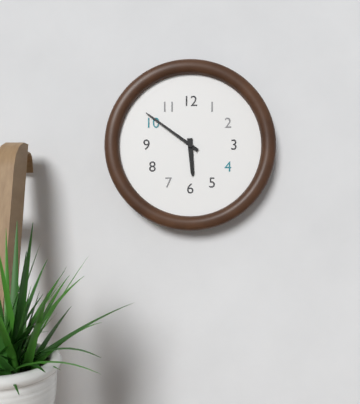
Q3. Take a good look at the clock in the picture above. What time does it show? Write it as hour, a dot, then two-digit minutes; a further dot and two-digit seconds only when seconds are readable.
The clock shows 5.51
